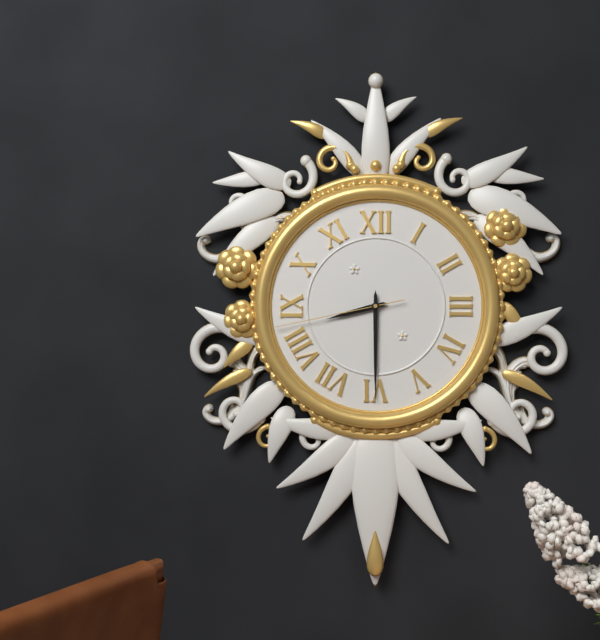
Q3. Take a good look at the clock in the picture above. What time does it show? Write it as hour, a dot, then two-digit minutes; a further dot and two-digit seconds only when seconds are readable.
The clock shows 8.30.43
